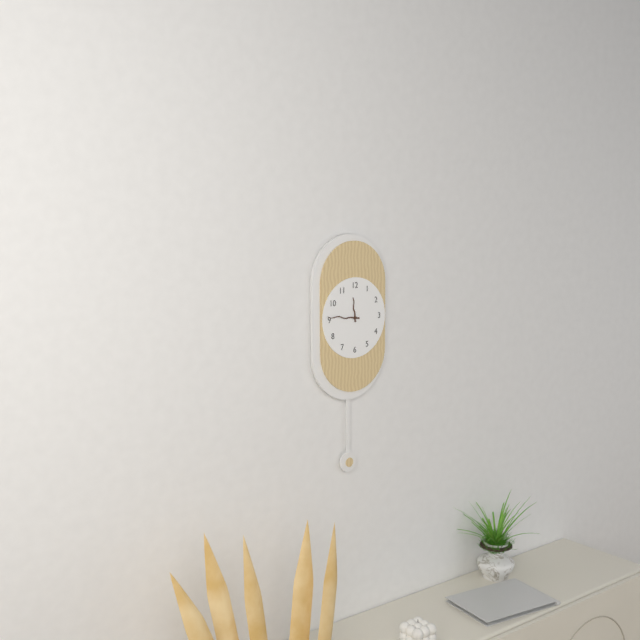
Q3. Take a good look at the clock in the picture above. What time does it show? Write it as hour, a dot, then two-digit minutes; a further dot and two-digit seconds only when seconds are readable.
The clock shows 11.46
